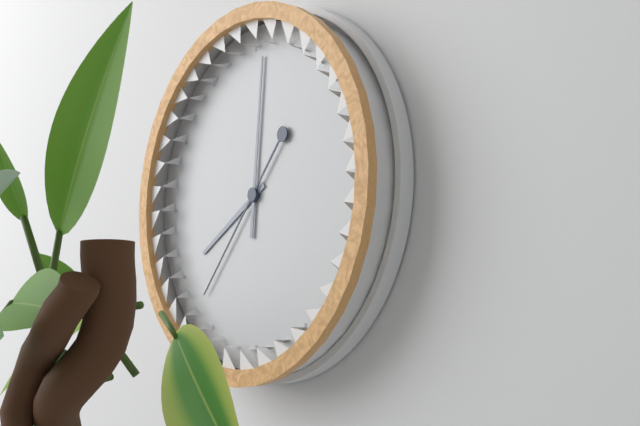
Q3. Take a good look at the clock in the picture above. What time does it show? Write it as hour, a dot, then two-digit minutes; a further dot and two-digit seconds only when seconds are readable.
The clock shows 8.01.37
